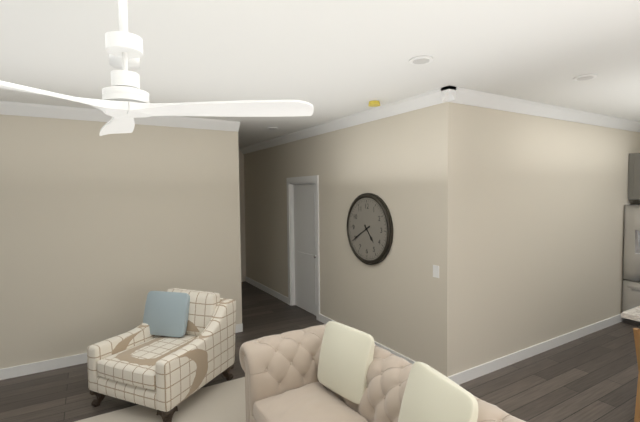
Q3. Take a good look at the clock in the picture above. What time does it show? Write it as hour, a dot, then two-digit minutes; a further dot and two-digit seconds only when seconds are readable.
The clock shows 4.40
